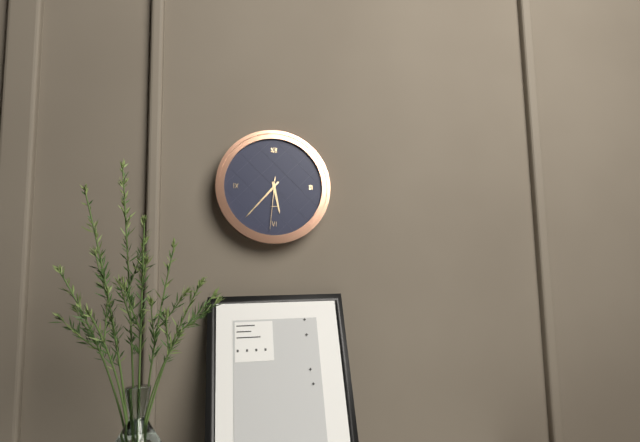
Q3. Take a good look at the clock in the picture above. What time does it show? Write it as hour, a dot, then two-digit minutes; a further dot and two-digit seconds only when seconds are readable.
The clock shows 5.37.31
